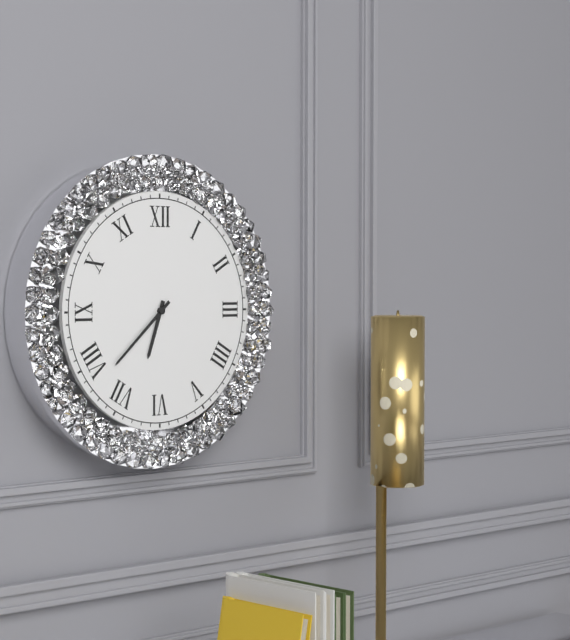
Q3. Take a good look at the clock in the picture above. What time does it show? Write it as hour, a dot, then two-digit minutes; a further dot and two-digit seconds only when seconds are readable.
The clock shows 6.38
